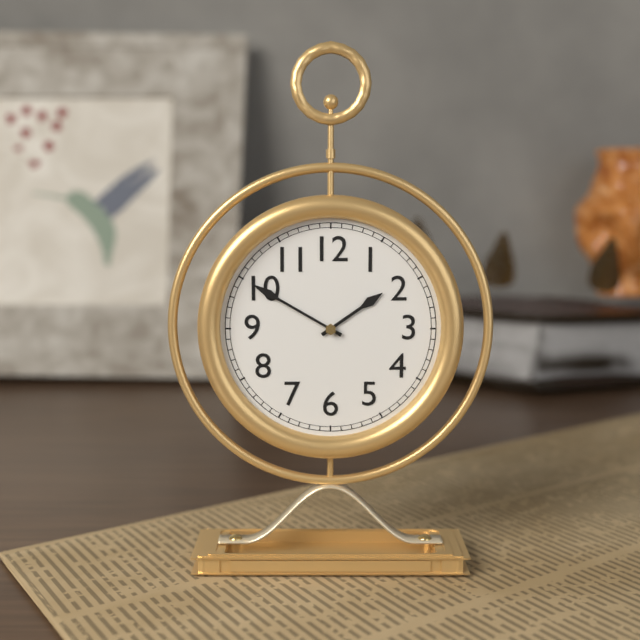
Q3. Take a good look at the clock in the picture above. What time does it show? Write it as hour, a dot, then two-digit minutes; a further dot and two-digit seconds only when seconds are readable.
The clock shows 1.50
